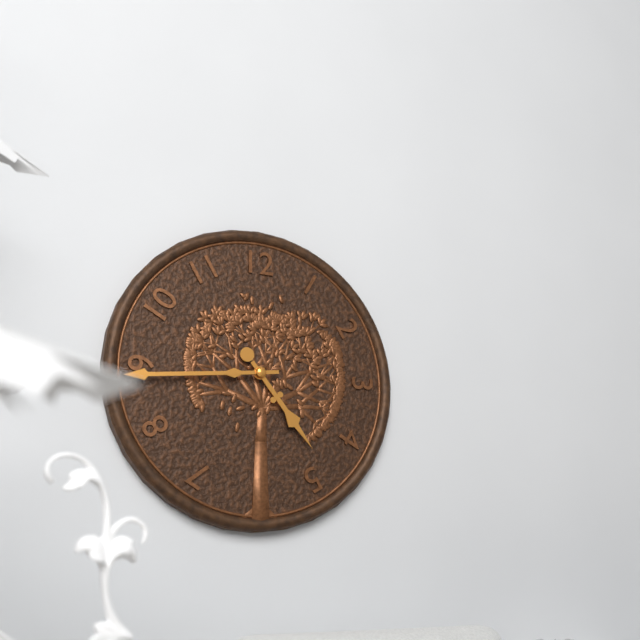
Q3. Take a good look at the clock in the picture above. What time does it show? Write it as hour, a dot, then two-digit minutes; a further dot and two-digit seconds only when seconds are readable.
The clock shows 4.44
